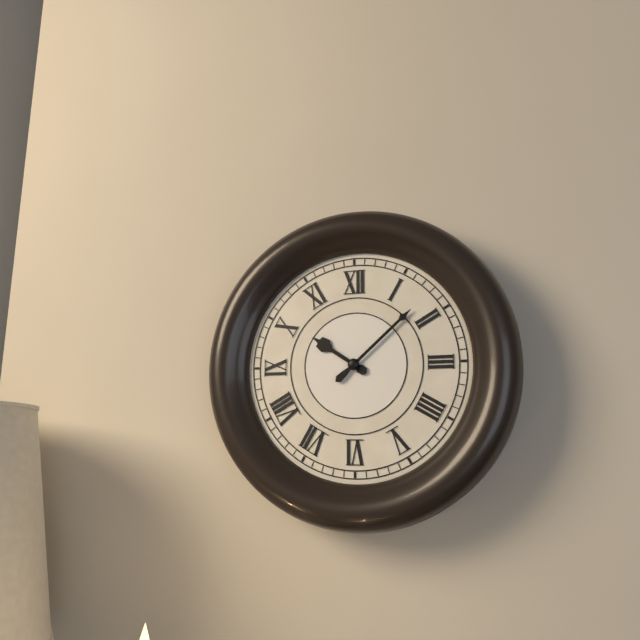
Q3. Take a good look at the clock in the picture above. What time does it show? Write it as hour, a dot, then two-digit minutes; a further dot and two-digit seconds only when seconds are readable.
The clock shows 10.08
